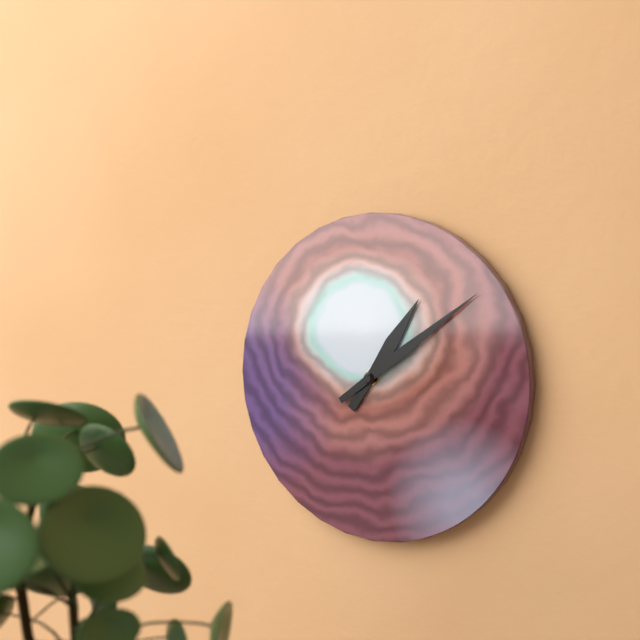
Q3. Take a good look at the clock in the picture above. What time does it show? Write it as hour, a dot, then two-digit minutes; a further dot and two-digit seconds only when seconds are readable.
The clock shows 1.09
